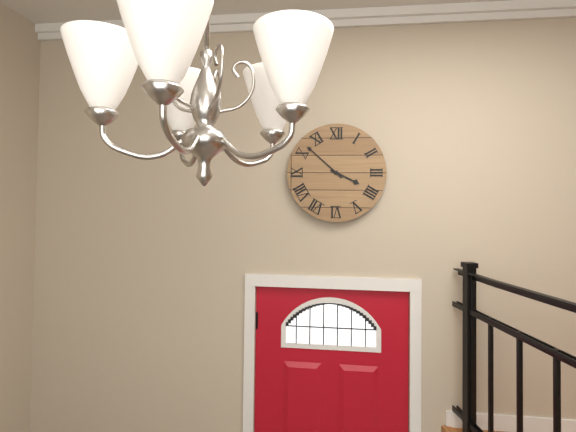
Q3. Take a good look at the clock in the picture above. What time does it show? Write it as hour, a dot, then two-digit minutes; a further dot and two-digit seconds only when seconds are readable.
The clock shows 3.52
